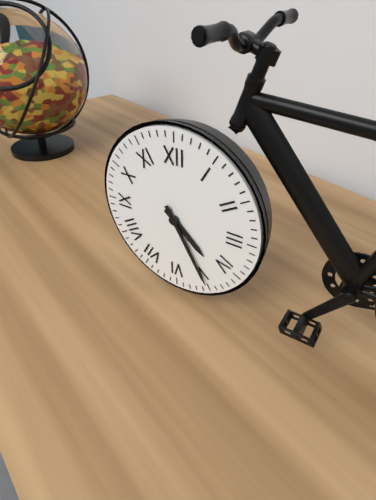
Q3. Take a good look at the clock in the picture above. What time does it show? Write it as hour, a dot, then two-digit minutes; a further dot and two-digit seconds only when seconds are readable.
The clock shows 4.25
